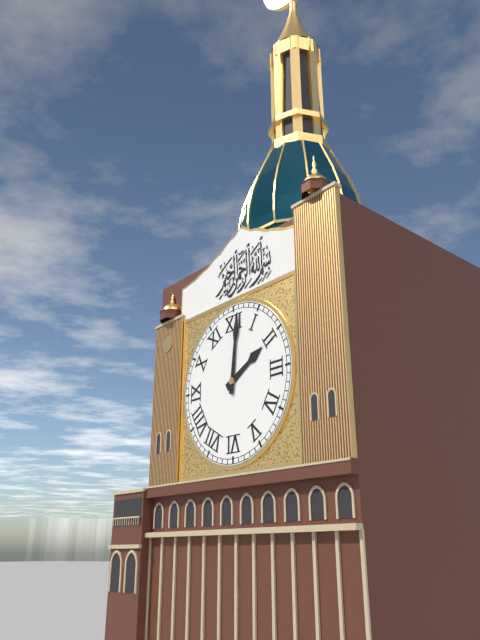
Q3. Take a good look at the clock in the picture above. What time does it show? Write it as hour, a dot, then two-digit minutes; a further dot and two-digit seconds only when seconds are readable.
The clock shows 2.01
